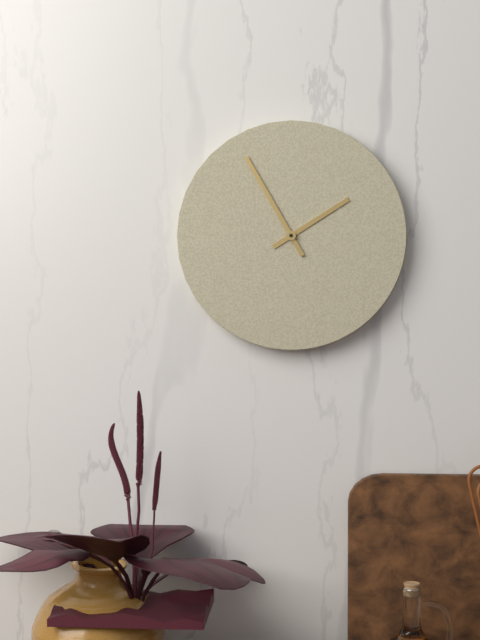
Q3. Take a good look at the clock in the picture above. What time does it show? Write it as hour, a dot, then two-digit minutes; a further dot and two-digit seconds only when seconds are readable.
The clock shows 1.55
